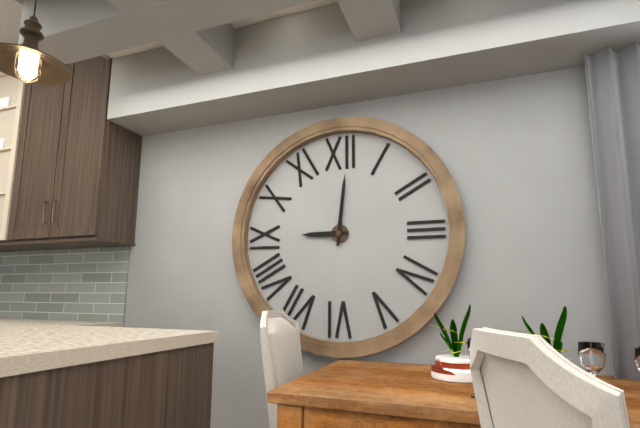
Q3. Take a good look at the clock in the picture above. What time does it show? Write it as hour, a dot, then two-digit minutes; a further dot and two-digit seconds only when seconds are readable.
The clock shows 9.01
